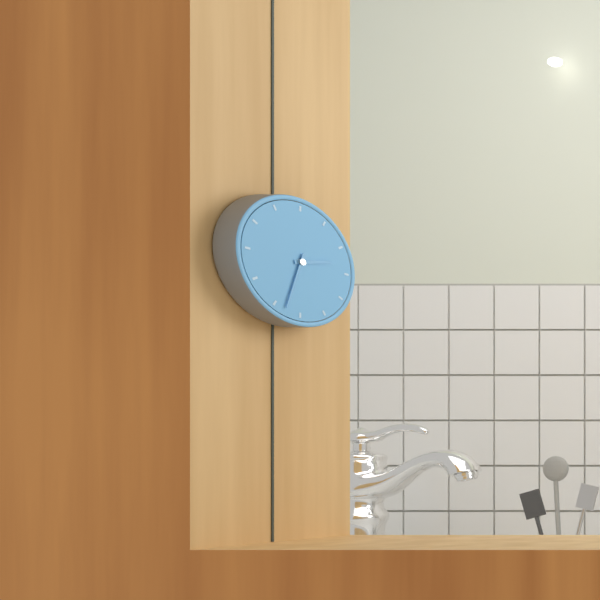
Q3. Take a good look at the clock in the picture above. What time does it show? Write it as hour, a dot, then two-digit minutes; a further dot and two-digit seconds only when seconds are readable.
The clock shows 2.33
